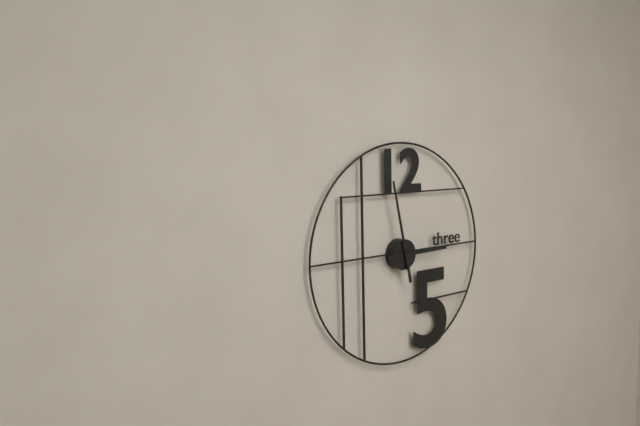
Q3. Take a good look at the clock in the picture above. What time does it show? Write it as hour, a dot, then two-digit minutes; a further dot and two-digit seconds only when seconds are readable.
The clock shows 2.58
